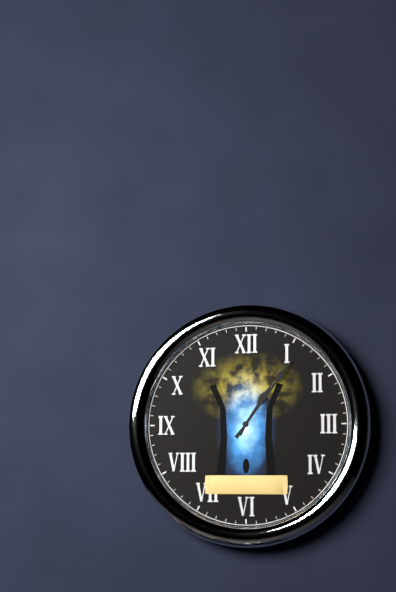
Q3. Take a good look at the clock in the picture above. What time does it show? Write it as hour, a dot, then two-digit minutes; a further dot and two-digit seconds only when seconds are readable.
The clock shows 1.06
